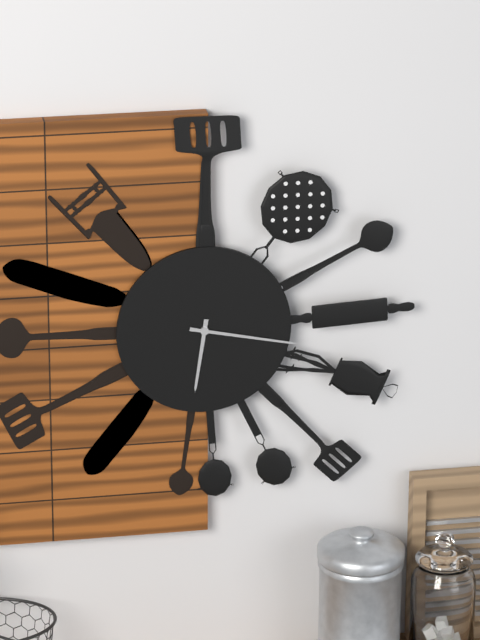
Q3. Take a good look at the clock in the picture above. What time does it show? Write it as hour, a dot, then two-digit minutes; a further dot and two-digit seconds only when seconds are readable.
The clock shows 6.17
